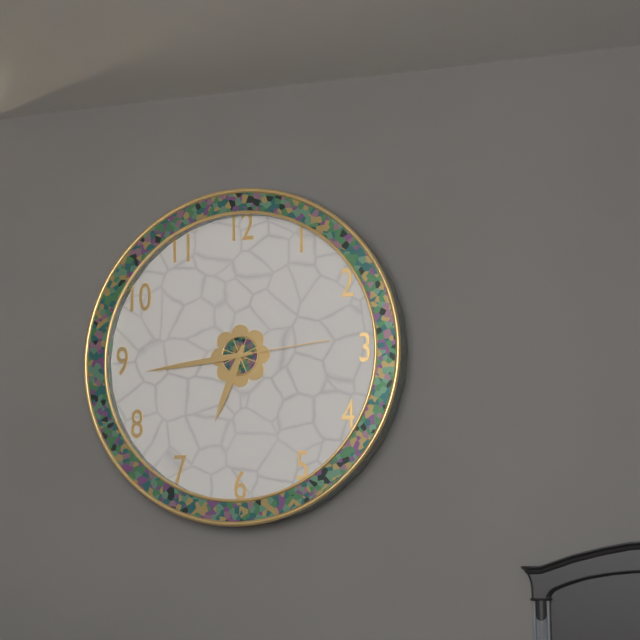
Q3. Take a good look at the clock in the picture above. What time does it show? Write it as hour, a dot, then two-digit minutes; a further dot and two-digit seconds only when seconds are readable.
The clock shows 6.44.14
